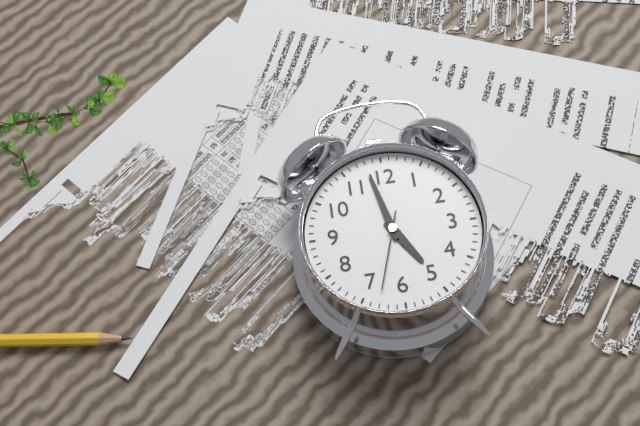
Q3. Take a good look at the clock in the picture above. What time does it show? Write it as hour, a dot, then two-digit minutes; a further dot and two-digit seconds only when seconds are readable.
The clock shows 4.58.33
